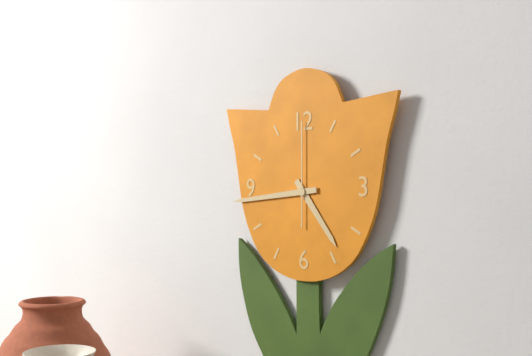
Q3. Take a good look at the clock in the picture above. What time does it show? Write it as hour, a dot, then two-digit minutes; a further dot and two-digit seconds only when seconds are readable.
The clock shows 4.44.00
